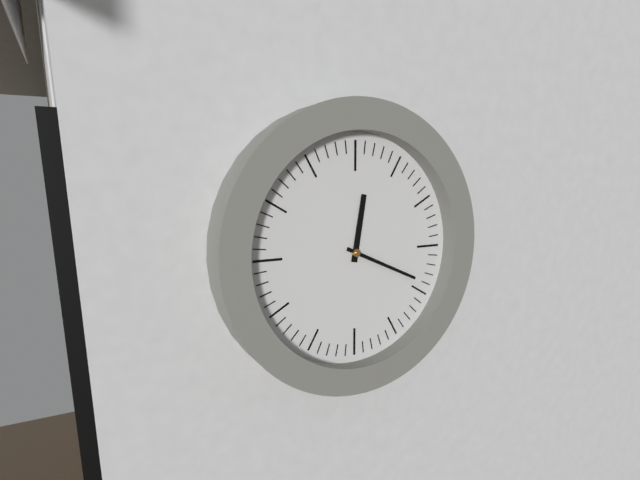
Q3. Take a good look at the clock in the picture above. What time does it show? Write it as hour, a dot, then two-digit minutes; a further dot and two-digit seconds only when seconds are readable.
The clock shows 12.19
